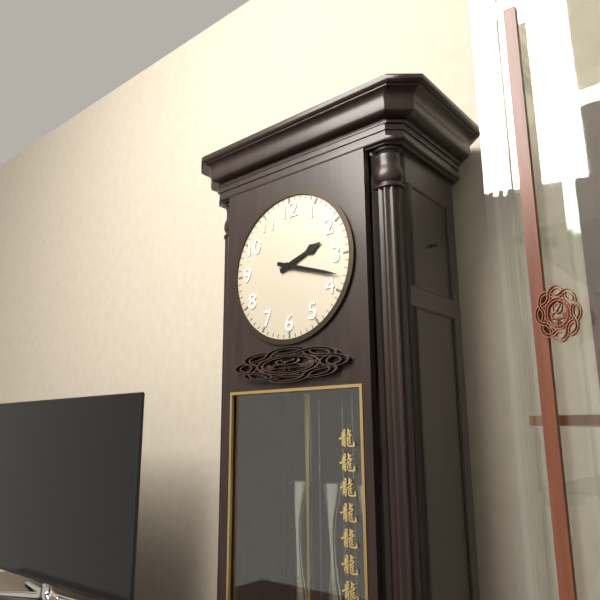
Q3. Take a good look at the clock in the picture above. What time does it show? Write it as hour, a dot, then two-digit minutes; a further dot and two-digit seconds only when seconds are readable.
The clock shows 2.18
